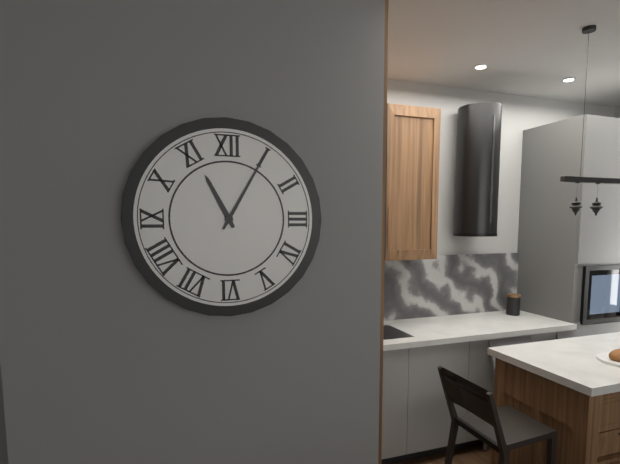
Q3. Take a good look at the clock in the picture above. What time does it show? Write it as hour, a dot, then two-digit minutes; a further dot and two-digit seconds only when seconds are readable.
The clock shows 11.05
